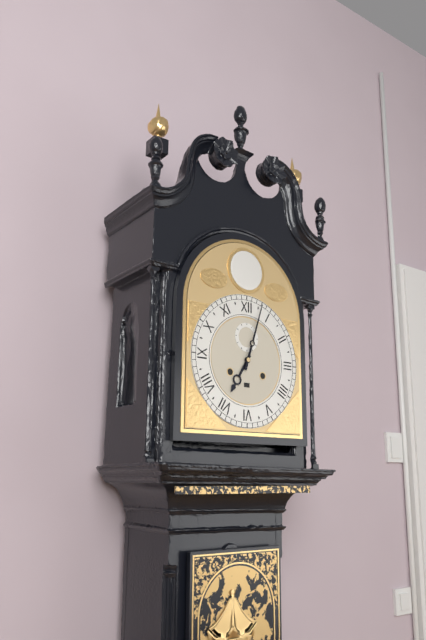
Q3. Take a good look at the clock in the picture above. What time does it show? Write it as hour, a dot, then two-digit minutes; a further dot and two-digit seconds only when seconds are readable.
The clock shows 7.03
